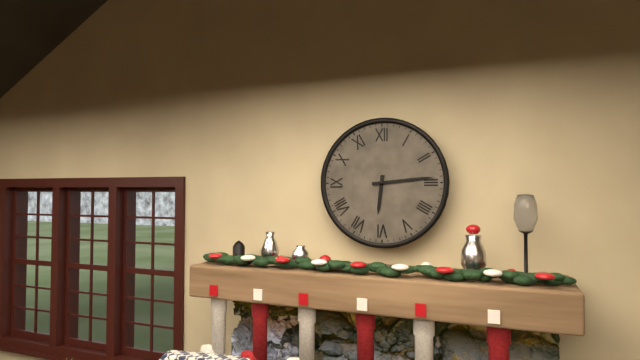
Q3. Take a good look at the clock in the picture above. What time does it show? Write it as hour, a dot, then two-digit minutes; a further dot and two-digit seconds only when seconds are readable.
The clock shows 6.14
